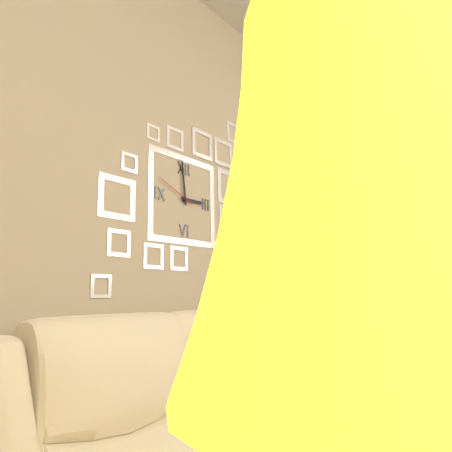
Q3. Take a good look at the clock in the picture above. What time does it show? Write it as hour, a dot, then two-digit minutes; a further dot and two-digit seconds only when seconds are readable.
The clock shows 2.59
